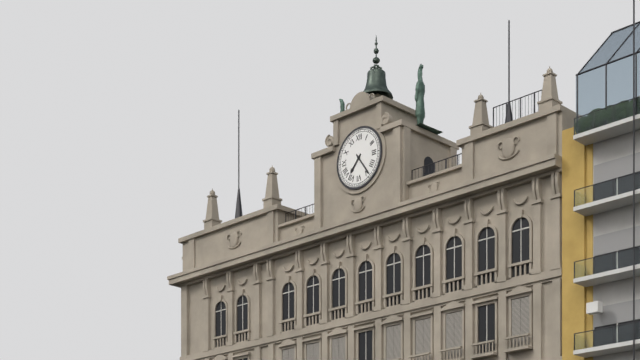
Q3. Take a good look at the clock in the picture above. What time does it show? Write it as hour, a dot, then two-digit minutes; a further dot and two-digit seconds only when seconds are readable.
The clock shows 7.24
